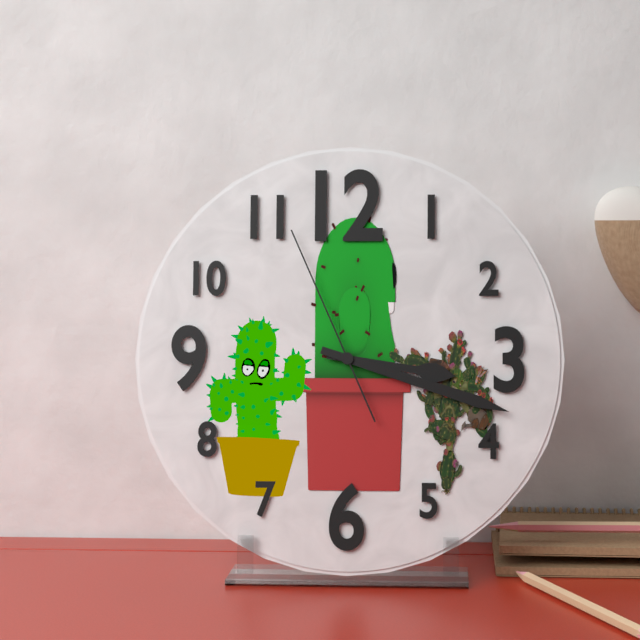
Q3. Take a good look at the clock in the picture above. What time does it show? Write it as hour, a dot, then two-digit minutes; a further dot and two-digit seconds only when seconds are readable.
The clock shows 3.18.56
